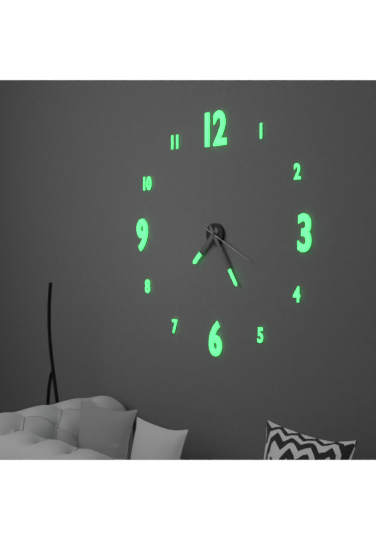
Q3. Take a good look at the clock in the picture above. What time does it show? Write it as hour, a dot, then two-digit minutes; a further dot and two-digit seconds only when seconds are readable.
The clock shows 7.25.20
